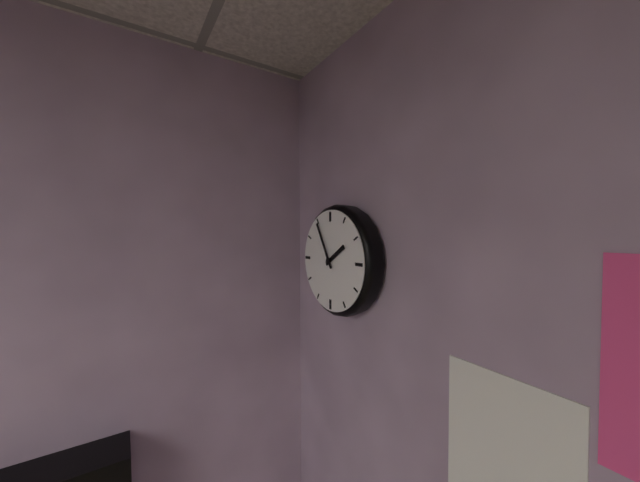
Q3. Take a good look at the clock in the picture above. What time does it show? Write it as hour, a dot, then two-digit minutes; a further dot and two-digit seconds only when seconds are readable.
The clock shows 1.55
